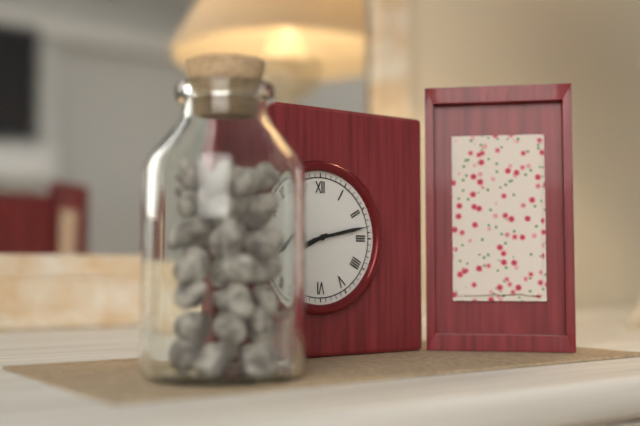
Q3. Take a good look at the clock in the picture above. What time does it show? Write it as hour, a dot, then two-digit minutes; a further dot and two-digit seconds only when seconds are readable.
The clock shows 8.13
